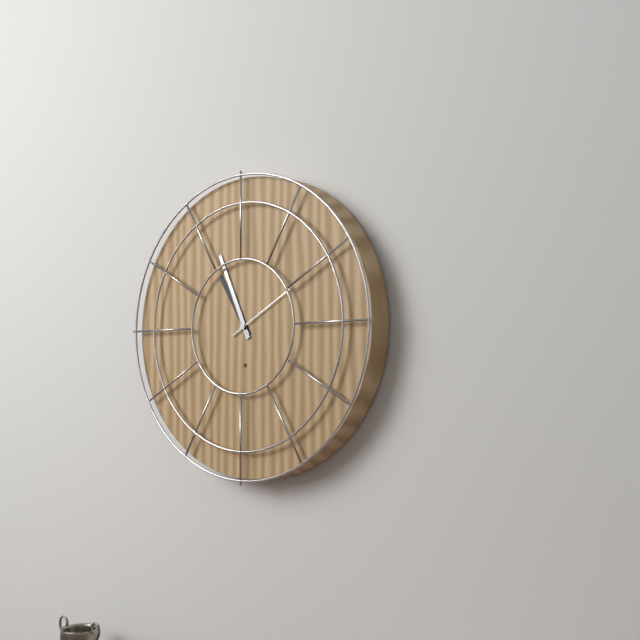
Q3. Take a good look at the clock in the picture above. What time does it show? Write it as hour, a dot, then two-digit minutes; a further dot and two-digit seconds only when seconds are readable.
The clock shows 10.56.10
